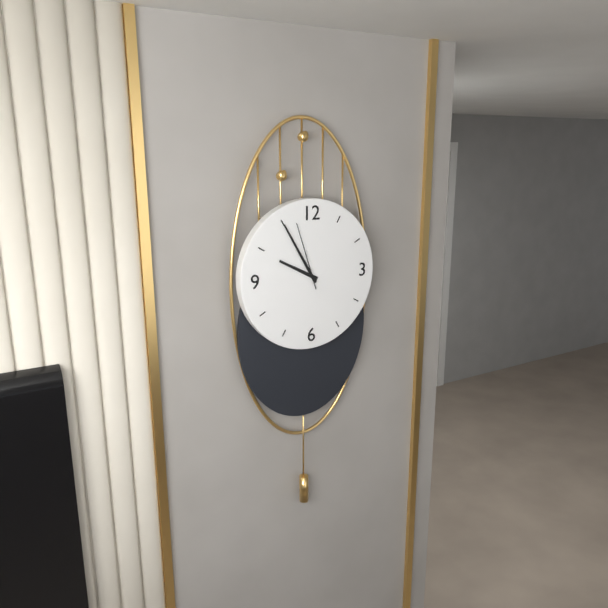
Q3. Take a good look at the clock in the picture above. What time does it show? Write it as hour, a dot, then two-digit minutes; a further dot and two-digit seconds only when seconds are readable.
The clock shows 9.55.57
